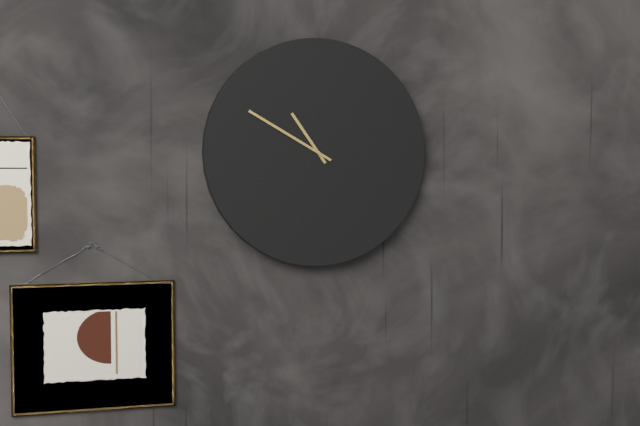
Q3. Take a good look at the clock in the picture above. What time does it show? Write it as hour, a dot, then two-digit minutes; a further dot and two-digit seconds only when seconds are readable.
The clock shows 10.50
